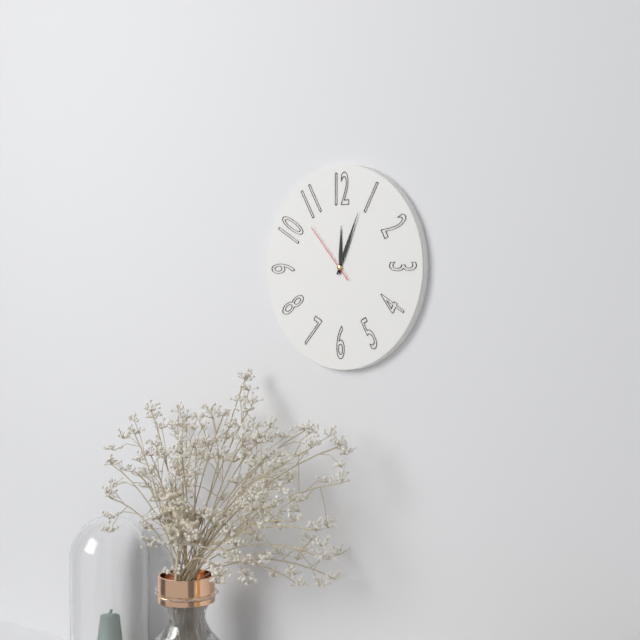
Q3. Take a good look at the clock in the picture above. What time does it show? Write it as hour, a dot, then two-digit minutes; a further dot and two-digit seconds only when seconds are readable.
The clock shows 12.04.53
